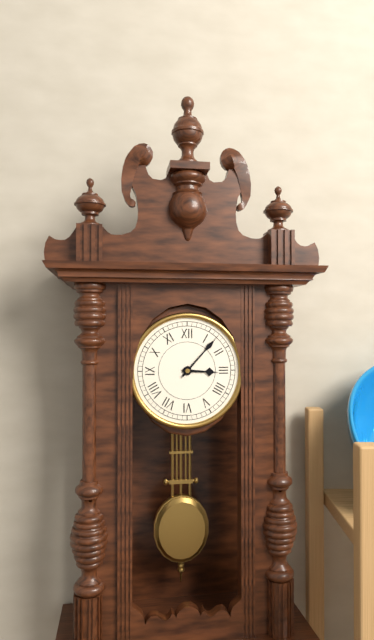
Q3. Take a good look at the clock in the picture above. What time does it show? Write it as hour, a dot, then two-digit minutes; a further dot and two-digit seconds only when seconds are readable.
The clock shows 3.07
